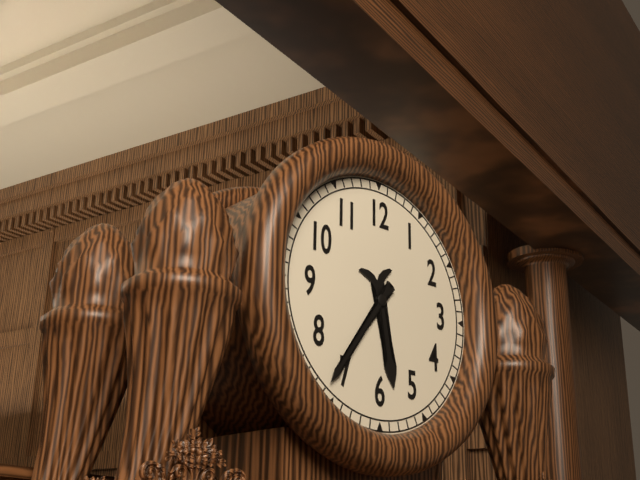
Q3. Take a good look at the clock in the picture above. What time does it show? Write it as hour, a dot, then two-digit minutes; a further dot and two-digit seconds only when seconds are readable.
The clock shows 5.36
